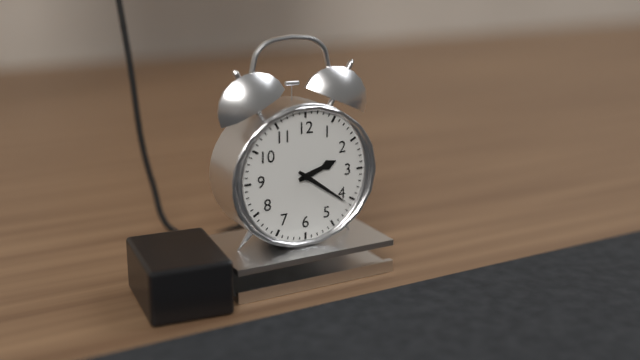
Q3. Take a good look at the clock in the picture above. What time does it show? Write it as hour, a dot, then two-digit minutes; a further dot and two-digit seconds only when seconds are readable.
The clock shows 2.21
